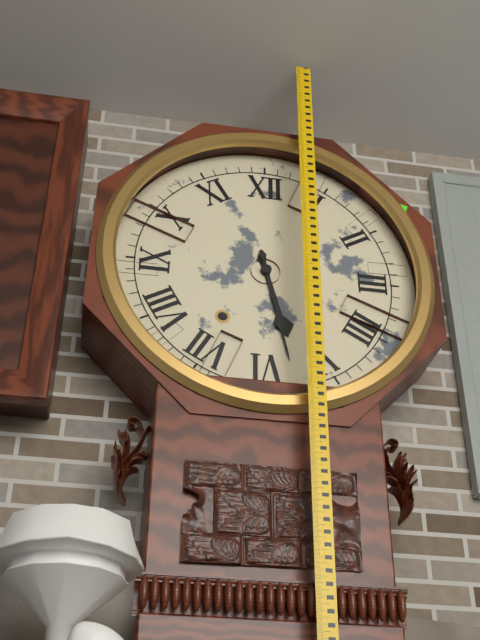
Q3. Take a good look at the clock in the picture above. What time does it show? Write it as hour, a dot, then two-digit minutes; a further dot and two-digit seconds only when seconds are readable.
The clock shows 5.28
